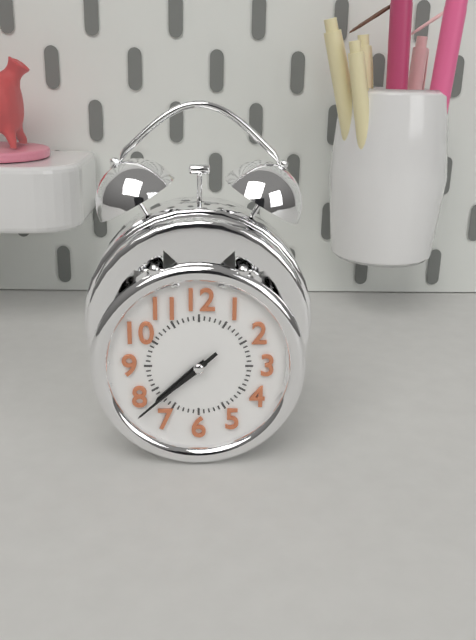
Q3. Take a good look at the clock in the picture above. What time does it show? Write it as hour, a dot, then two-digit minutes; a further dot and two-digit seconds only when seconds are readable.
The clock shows 7.38
